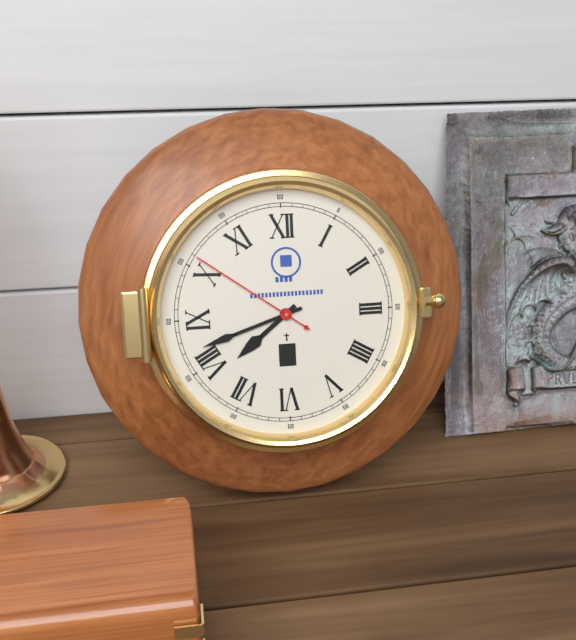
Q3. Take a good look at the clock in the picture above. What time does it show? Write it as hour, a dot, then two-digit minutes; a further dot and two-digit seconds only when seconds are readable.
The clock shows 7.42.51
